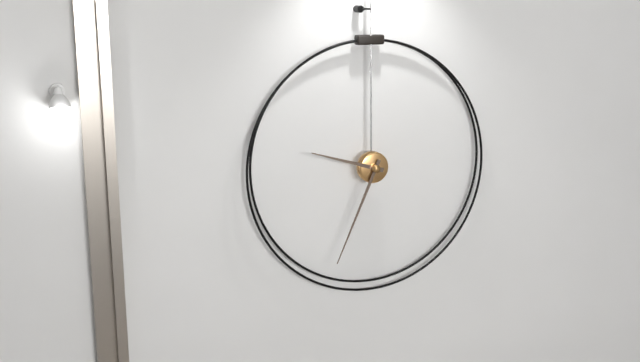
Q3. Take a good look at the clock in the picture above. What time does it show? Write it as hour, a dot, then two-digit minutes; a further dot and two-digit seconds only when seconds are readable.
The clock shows 9.34
